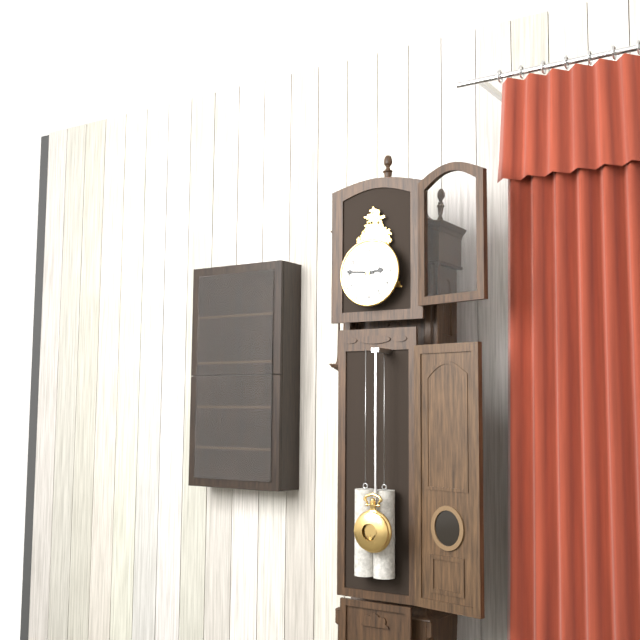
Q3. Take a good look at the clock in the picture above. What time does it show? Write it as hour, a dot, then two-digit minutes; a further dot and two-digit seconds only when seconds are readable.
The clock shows 2.46
